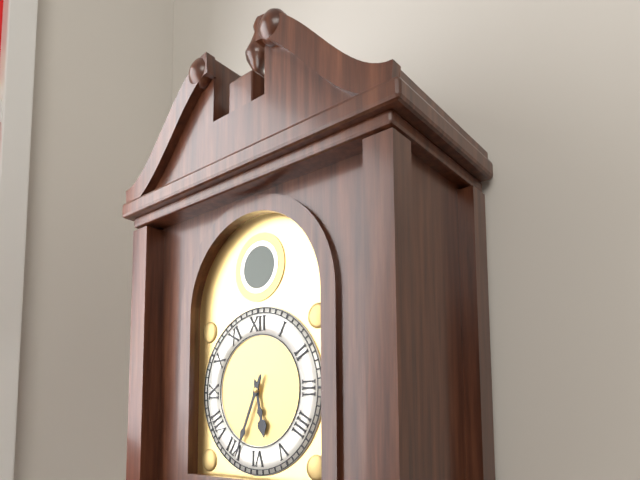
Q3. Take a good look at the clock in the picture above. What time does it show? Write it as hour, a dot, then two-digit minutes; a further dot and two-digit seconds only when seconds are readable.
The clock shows 5.34
